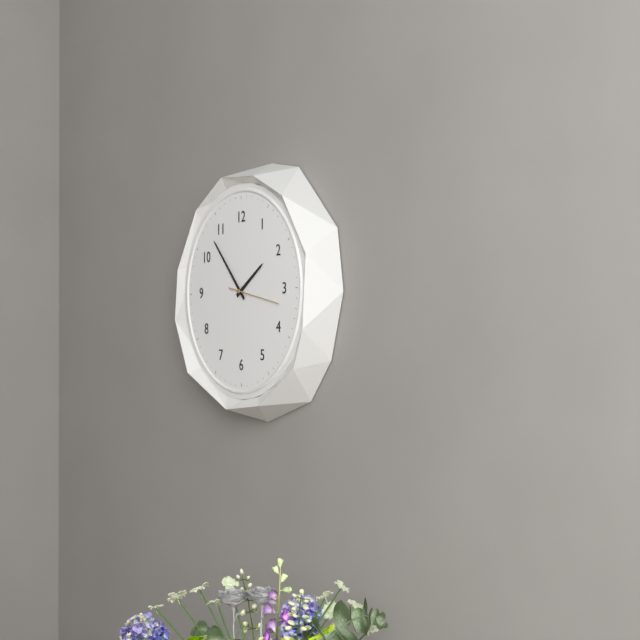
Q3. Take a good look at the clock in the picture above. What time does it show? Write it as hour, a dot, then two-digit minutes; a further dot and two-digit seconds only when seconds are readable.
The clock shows 1.53.17
